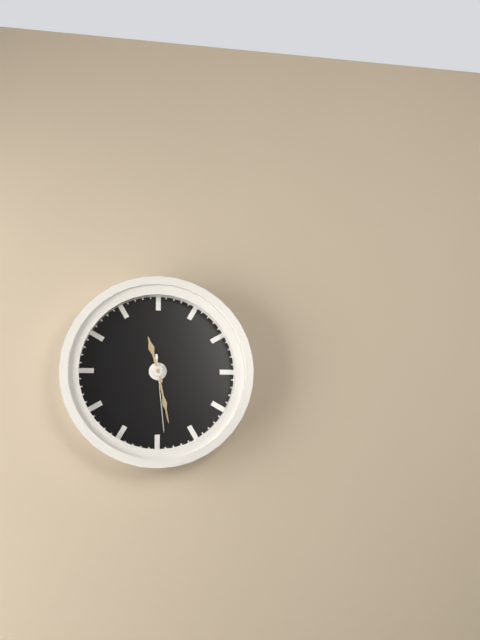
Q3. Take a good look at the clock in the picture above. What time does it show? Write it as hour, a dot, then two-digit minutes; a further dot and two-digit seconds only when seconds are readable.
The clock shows 11.28.29
